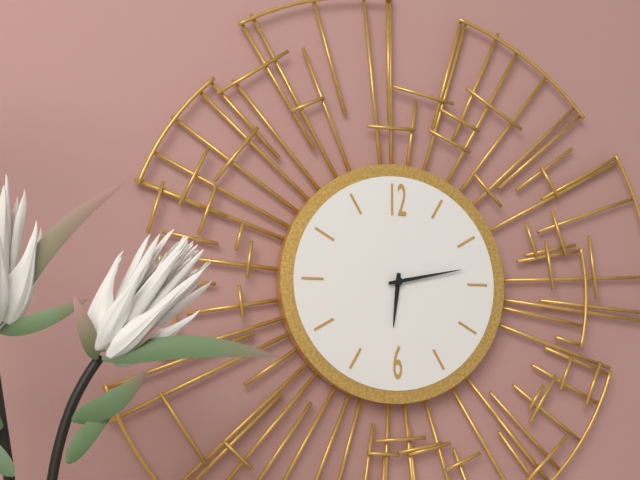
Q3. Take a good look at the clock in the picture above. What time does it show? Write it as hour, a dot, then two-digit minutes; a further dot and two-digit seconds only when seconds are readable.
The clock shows 6.13
